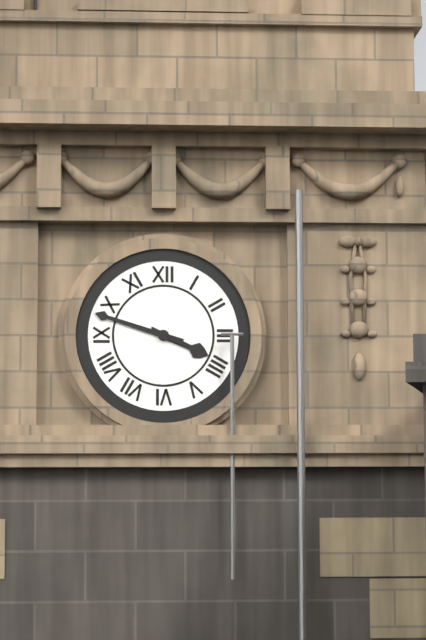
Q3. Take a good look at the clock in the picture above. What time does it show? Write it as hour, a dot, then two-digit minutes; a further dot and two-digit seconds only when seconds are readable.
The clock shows 3.48
